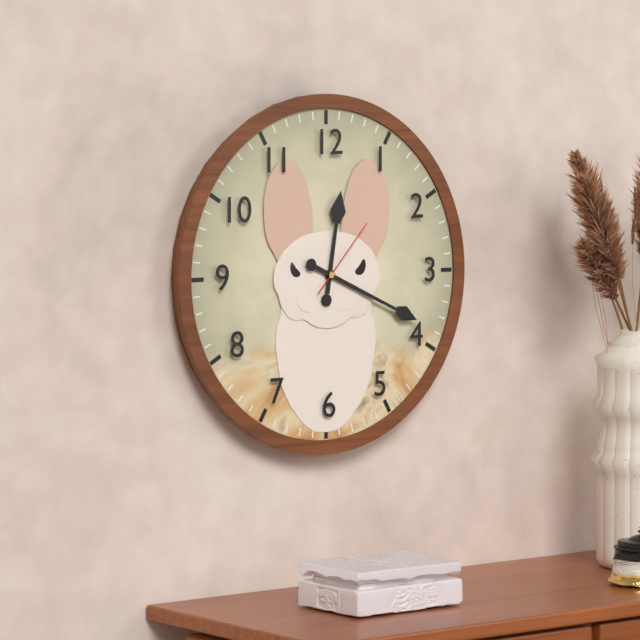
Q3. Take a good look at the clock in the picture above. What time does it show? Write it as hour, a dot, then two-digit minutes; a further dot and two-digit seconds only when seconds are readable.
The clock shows 12.19.07
